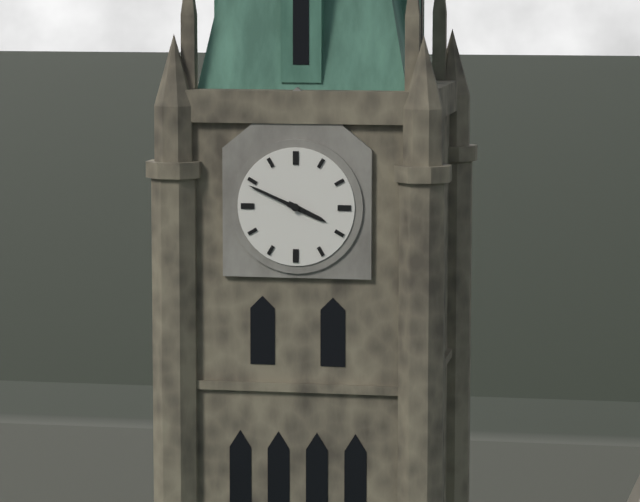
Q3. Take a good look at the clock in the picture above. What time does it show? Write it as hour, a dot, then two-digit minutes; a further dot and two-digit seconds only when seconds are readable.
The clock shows 3.49
